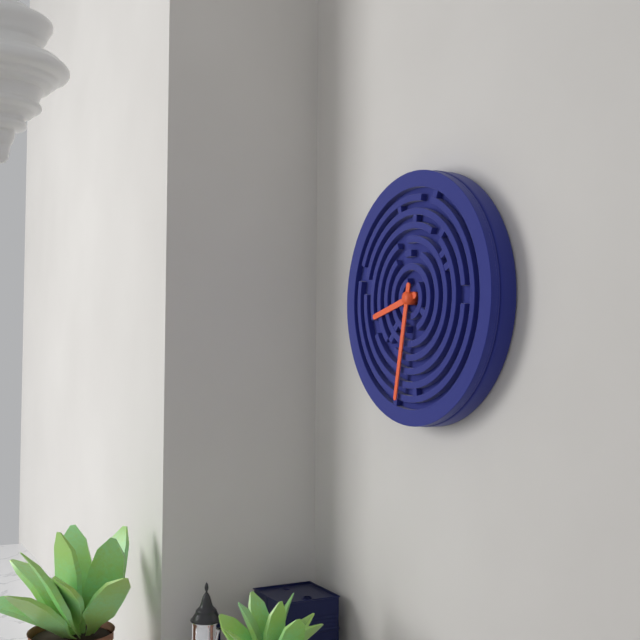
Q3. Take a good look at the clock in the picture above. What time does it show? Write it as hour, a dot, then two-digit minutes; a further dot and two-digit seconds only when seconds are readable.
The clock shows 8.32
